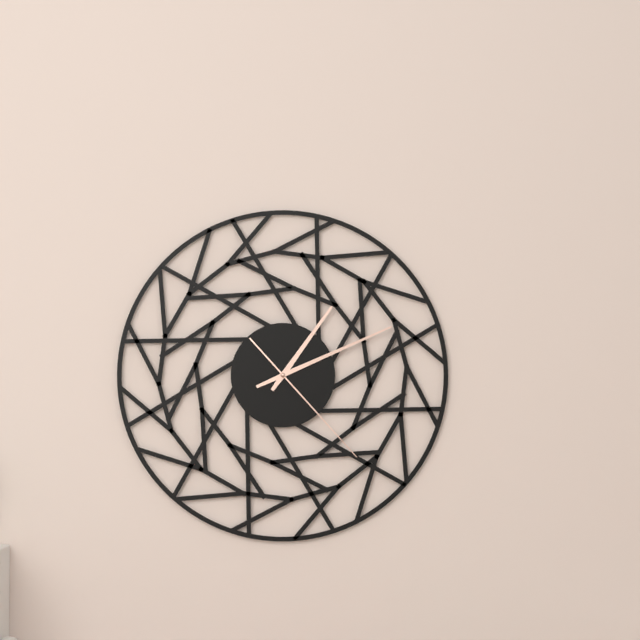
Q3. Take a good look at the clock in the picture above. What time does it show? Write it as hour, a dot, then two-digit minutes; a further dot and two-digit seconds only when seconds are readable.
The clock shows 1.11.23
